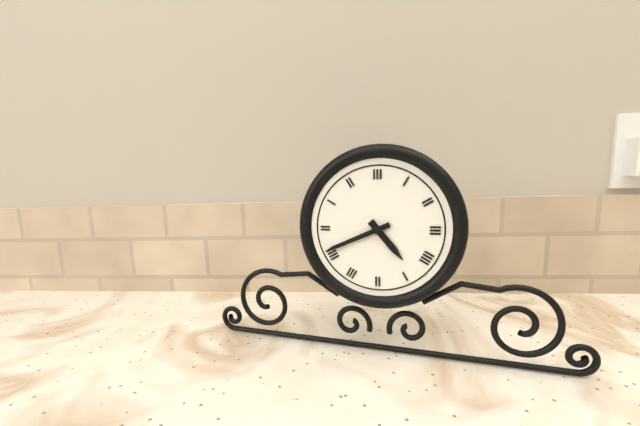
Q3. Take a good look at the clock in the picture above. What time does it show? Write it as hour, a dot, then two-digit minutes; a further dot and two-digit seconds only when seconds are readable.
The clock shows 4.41
